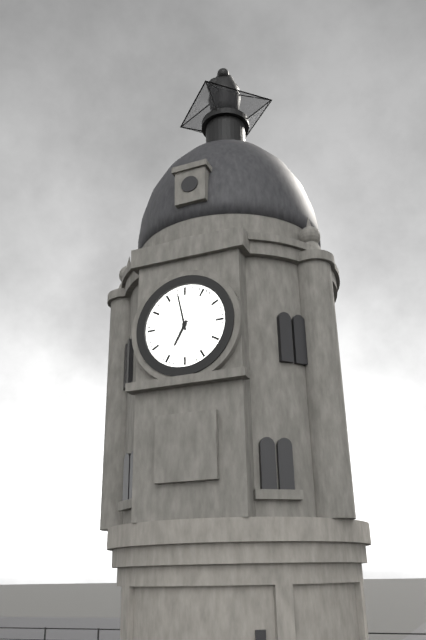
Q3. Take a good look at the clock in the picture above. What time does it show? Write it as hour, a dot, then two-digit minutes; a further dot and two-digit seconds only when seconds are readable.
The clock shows 6.58
